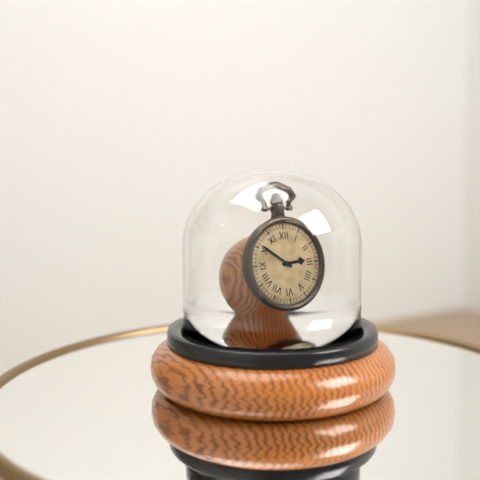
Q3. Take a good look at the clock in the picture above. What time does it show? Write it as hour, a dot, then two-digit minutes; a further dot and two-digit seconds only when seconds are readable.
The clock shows 2.51
